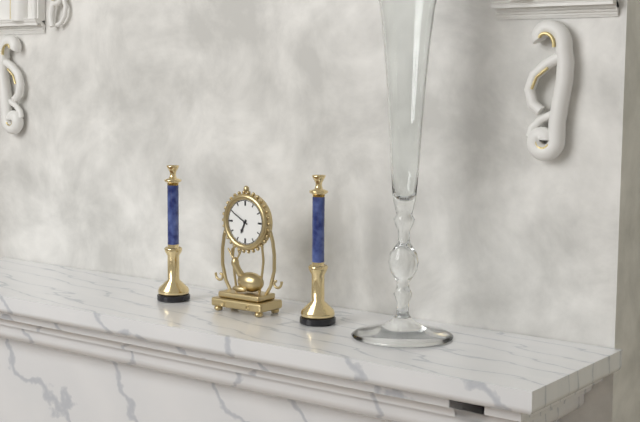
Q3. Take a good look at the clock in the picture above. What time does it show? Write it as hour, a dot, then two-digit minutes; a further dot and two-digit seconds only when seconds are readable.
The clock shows 6.50
